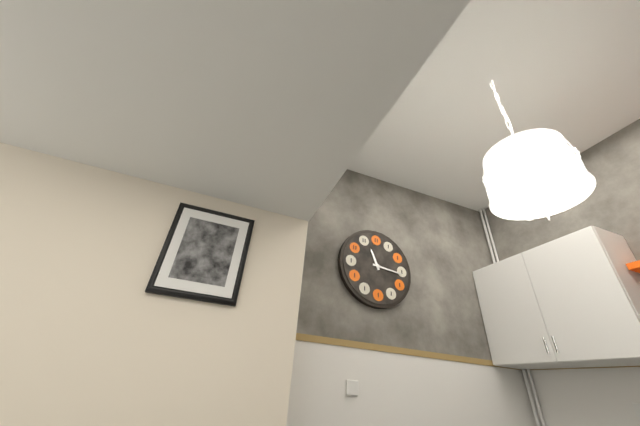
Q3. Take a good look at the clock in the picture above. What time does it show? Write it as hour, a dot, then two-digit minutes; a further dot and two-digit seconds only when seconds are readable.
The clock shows 11.16
